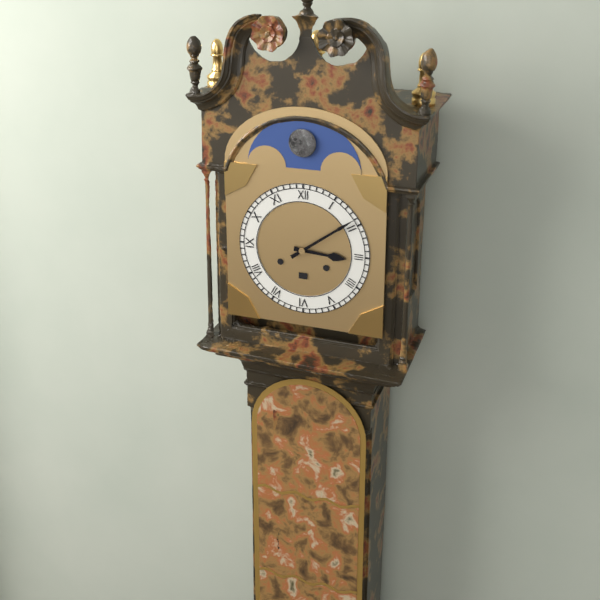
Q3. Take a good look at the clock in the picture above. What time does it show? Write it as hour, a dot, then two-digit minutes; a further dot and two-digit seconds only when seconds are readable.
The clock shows 3.09
